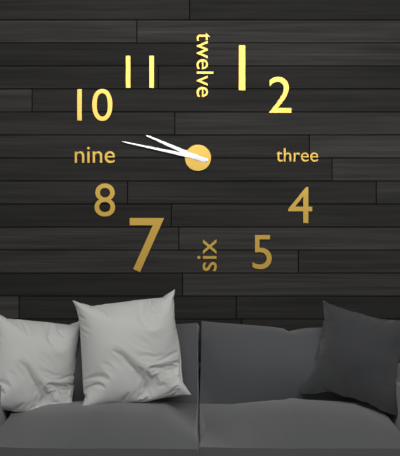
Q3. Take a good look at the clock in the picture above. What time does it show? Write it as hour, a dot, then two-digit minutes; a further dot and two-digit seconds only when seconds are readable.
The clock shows 9.47
